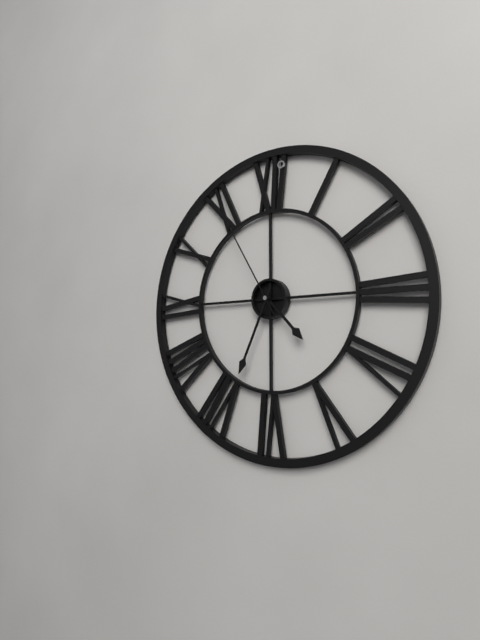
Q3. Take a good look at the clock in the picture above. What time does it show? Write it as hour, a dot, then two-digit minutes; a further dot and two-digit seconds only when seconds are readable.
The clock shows 4.34.55
